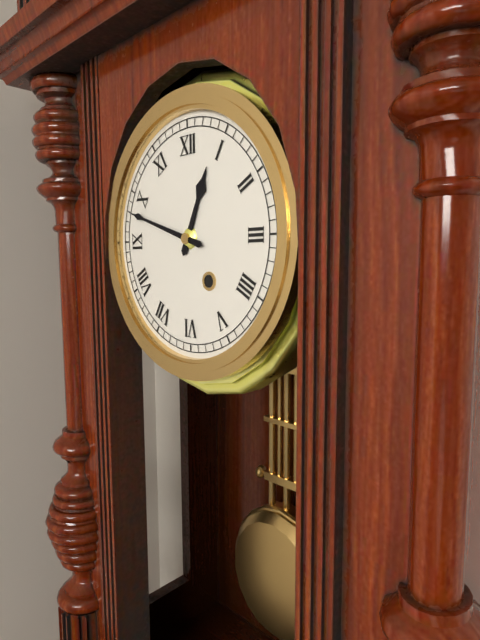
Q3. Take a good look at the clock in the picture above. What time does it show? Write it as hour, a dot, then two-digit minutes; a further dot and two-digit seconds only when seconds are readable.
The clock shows 12.48
